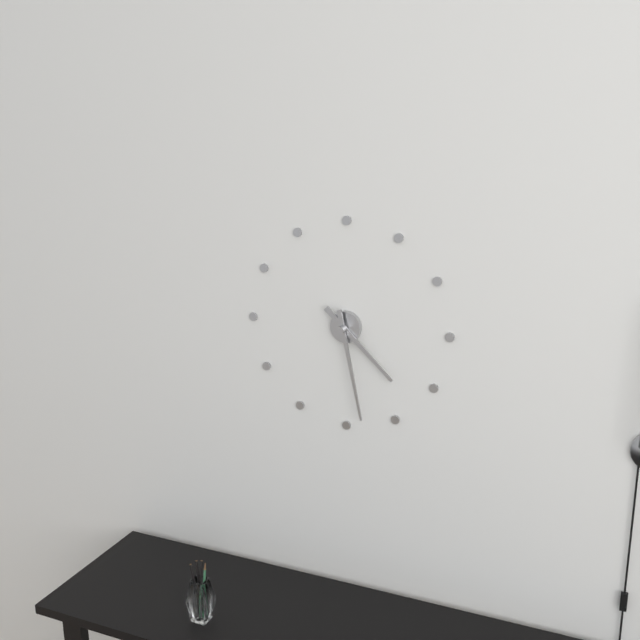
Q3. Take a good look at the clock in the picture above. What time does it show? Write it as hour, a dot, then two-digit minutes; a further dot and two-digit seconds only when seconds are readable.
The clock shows 4.28
